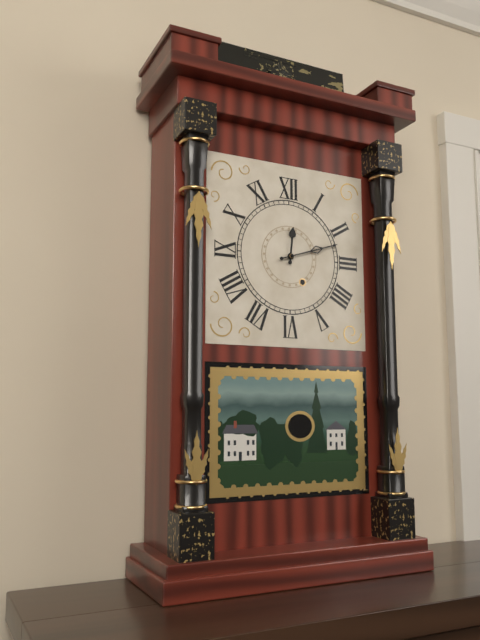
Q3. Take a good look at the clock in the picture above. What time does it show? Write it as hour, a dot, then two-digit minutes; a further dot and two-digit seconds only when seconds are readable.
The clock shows 12.12
